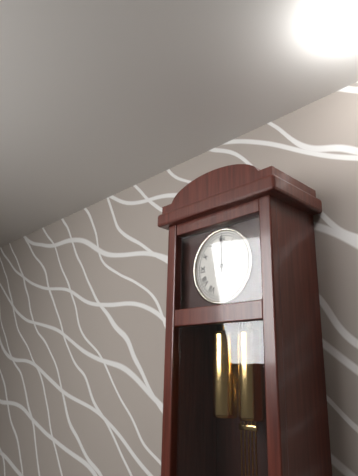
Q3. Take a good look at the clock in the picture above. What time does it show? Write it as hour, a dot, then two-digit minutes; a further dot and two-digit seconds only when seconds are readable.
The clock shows 4.00
